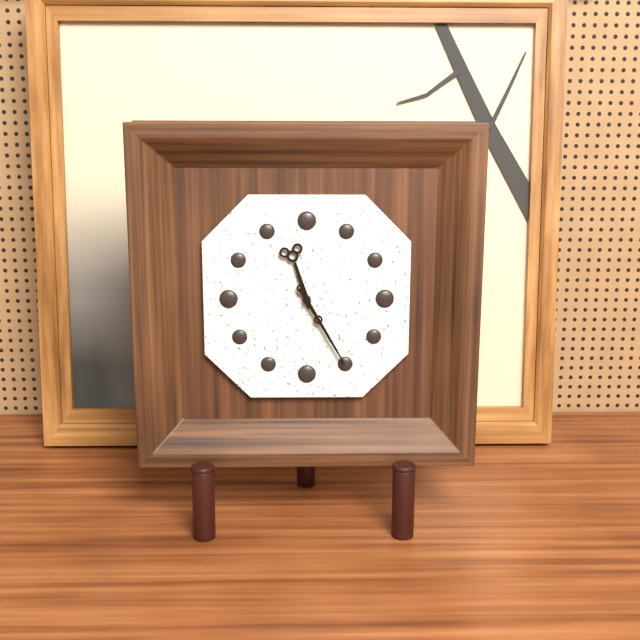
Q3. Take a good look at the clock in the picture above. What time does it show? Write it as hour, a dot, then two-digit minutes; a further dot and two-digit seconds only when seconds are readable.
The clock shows 11.25
